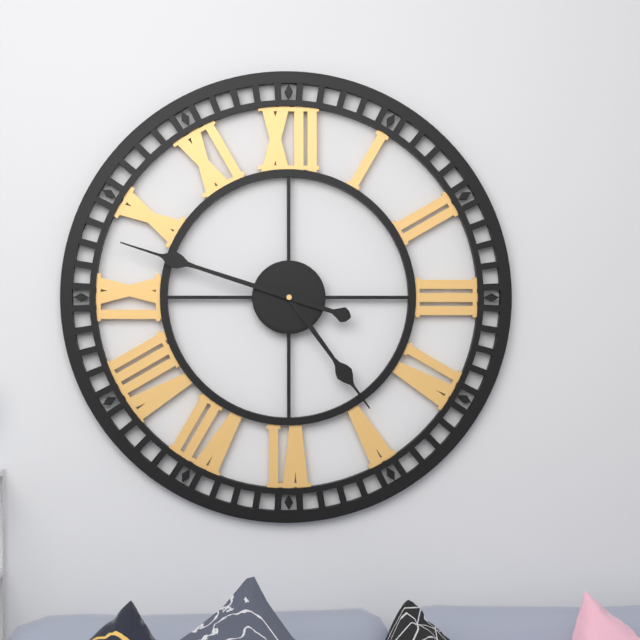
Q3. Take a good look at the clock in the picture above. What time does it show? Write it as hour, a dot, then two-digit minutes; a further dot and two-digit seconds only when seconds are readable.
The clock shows 4.48
